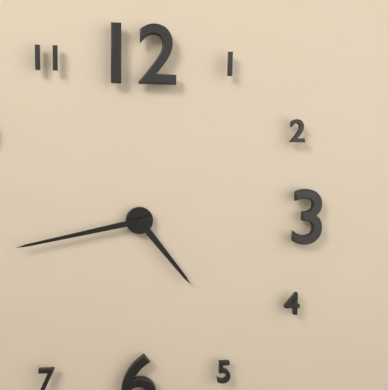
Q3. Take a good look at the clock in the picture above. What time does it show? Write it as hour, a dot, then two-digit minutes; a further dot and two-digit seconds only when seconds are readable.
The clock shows 4.43
